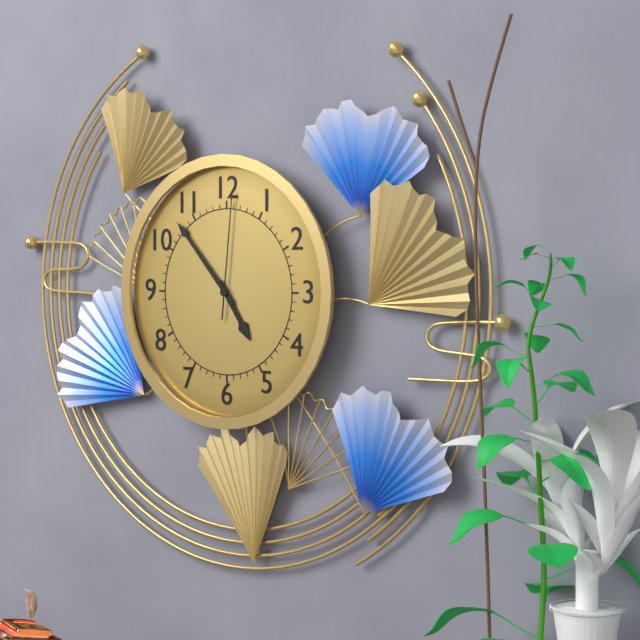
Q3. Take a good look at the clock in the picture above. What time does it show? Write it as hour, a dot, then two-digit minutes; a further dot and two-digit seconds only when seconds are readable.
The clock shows 4.53.01
